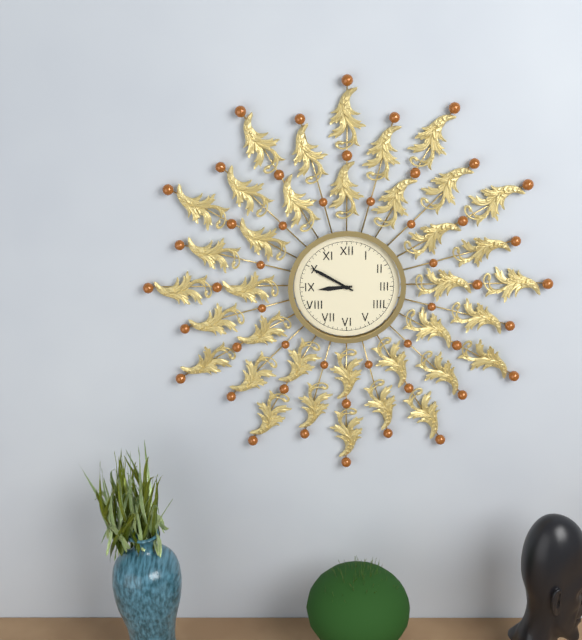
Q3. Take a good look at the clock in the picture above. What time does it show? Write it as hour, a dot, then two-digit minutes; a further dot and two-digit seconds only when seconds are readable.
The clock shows 8.50
